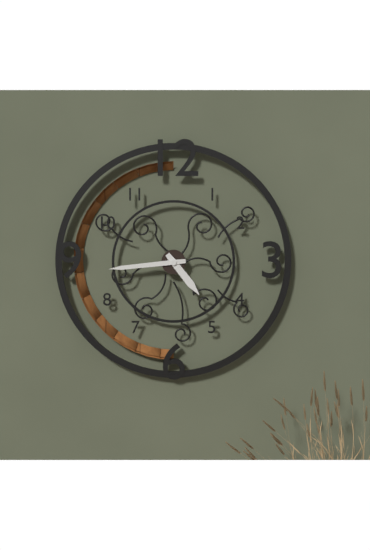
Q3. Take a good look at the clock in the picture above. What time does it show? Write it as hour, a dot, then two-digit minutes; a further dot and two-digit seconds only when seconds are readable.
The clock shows 4.44
